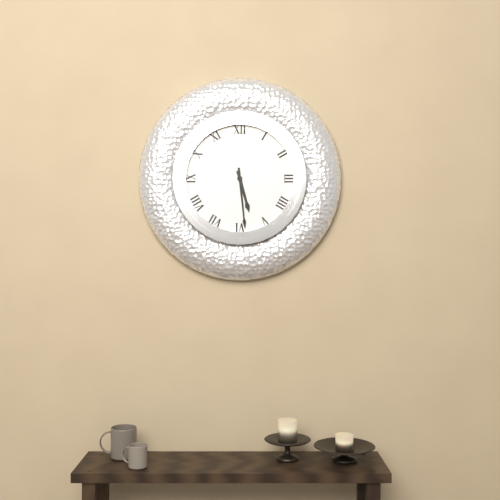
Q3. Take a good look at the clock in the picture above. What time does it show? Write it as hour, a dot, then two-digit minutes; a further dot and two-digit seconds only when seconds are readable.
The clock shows 5.29
